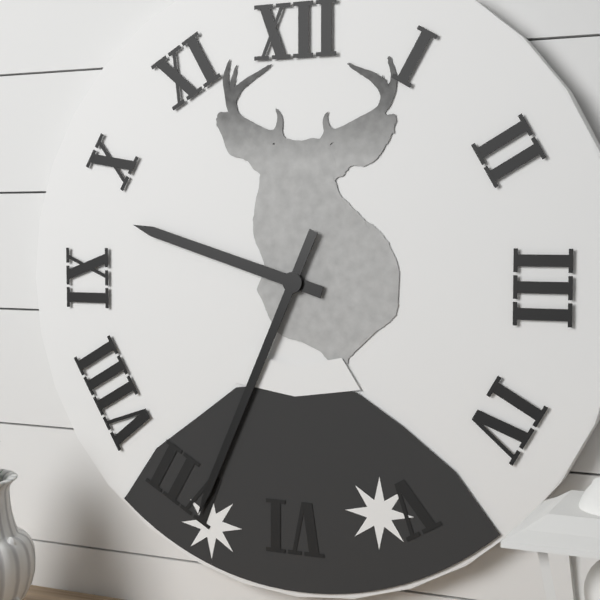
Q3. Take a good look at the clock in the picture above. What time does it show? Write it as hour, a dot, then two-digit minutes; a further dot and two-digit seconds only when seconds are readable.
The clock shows 9.34
